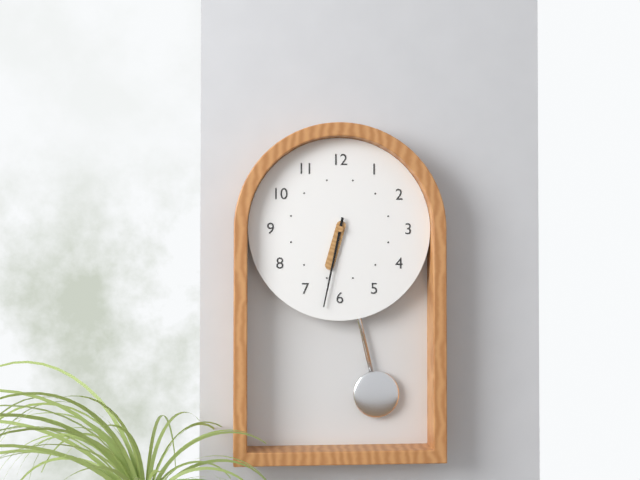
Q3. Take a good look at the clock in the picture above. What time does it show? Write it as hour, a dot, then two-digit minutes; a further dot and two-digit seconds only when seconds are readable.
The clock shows 6.32
